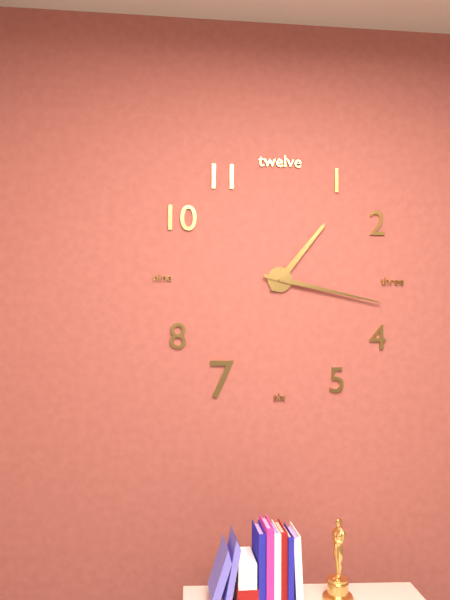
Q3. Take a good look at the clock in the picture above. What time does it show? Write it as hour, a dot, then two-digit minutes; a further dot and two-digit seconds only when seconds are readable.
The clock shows 1.17
